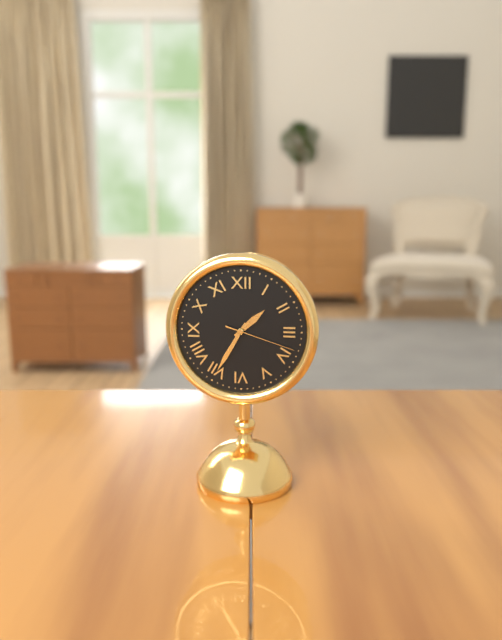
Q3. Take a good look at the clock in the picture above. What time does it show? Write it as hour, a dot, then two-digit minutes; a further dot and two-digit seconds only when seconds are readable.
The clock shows 1.35.18
